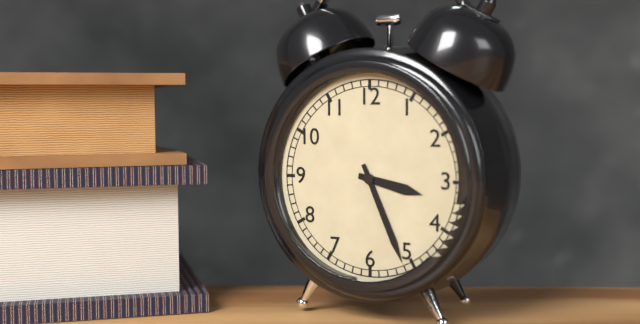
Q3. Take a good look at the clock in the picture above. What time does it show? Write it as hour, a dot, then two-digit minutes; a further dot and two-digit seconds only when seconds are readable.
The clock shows 3.26
